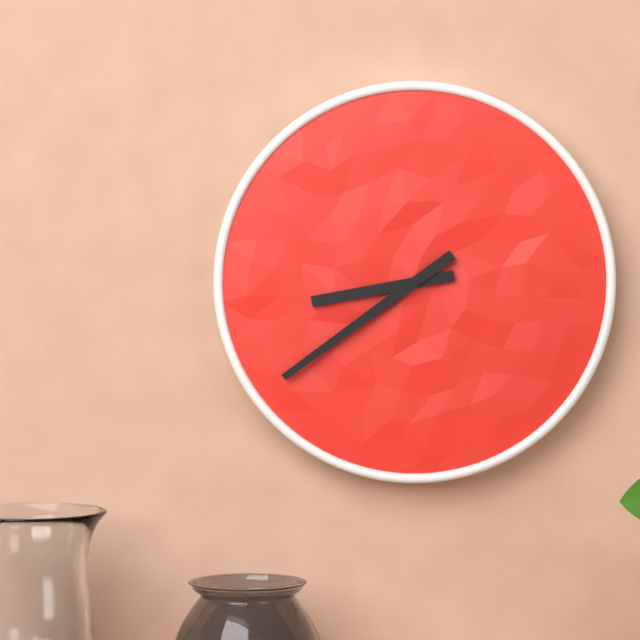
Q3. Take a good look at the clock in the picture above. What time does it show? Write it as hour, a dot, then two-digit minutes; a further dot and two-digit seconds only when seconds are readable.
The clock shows 8.39
